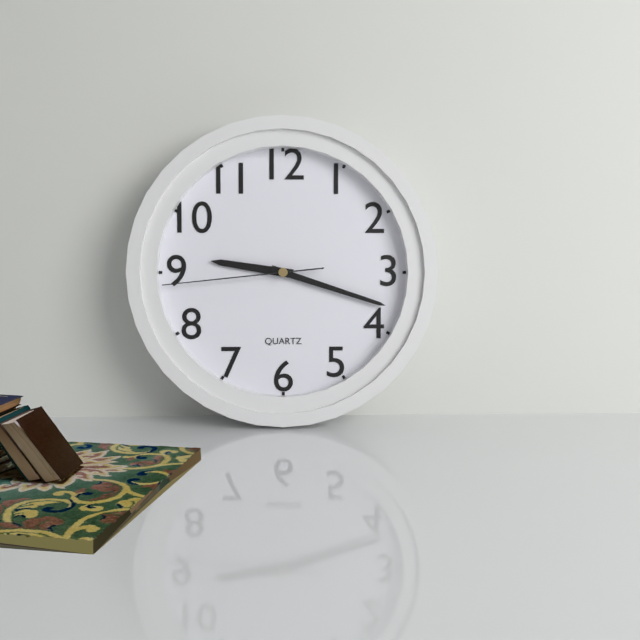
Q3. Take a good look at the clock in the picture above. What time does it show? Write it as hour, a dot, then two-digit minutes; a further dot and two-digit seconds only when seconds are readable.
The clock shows 9.18.44
